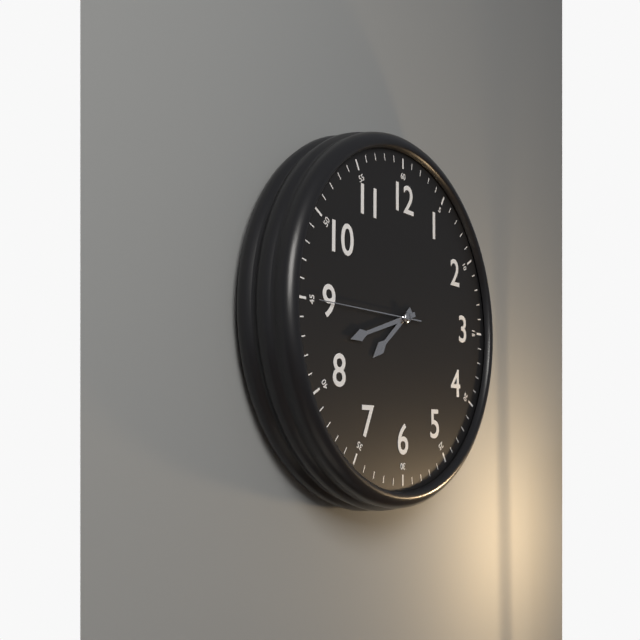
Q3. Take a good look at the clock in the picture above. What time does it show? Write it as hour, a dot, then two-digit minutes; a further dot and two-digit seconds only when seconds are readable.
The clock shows 7.42.45
